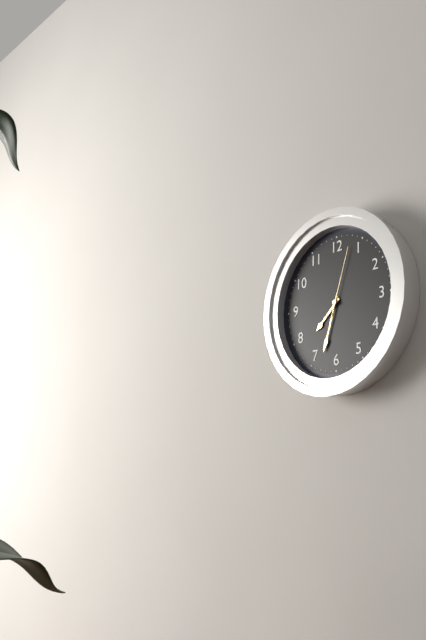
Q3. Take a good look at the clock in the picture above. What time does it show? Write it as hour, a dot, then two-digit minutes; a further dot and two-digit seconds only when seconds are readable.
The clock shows 7.33.03
